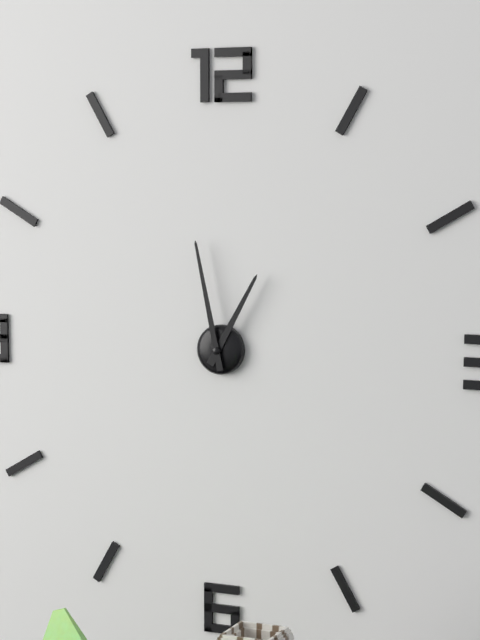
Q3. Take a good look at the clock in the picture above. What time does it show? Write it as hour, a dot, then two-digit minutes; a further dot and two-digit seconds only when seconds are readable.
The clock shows 12.58
